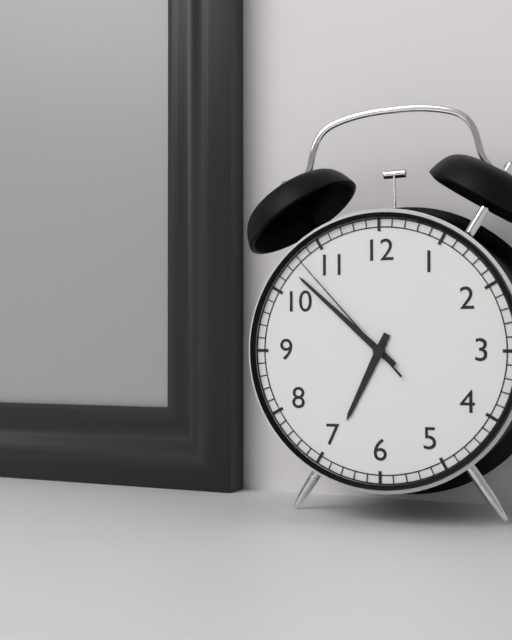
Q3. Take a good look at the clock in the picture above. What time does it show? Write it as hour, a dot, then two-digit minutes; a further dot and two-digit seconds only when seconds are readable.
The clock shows 6.52.53
